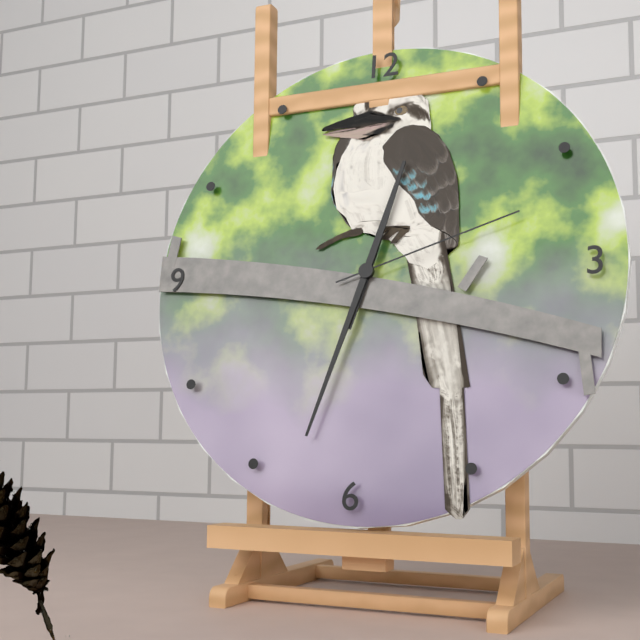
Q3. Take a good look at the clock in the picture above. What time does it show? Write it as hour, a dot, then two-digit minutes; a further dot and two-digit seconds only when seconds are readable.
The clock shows 12.33.12
